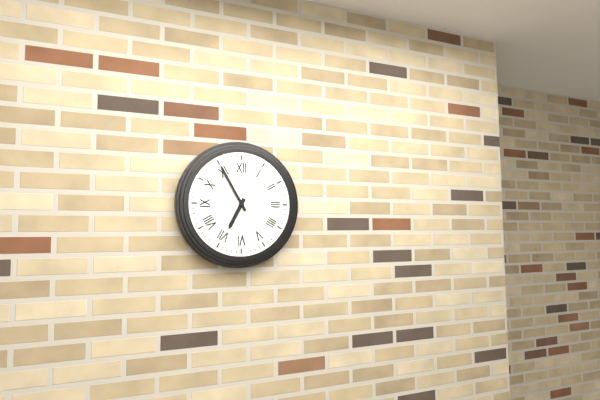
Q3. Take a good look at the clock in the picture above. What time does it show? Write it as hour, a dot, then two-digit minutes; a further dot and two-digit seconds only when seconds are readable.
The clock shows 6.55
